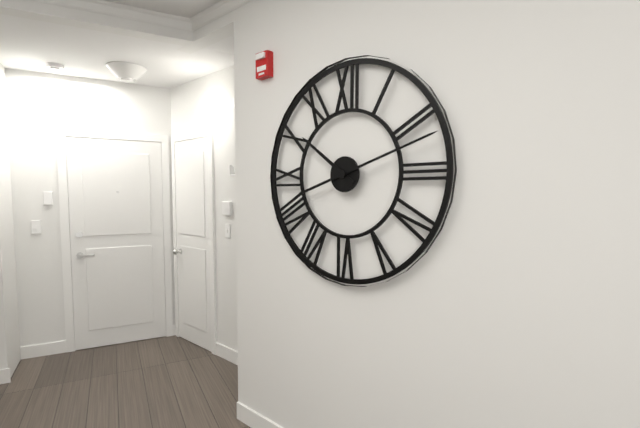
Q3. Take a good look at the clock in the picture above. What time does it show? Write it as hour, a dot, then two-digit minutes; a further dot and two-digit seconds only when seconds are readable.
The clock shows 10.12
